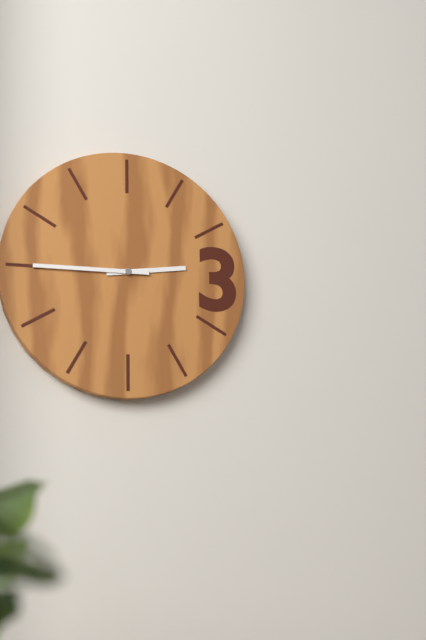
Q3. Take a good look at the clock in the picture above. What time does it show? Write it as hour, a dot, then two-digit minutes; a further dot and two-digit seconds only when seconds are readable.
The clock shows 2.45
